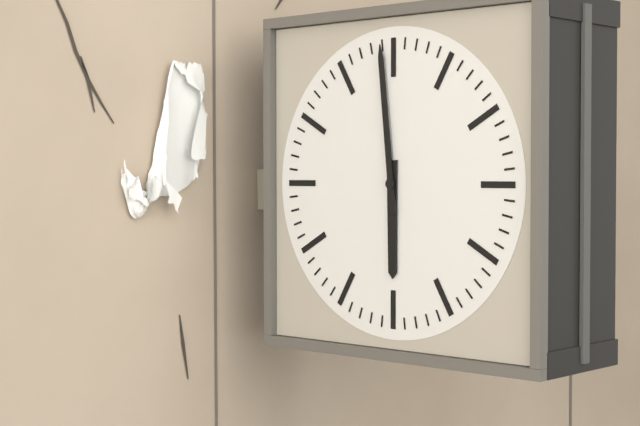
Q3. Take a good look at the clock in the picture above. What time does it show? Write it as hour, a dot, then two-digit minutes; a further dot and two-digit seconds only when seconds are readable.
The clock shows 5.59
